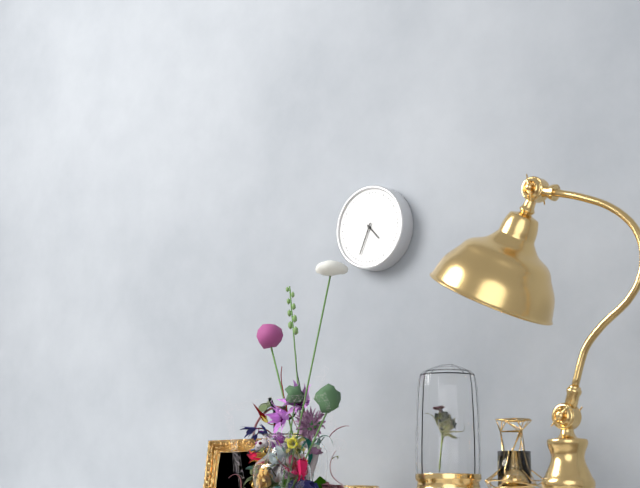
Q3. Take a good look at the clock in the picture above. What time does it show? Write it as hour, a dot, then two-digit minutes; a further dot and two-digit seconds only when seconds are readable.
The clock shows 4.34
